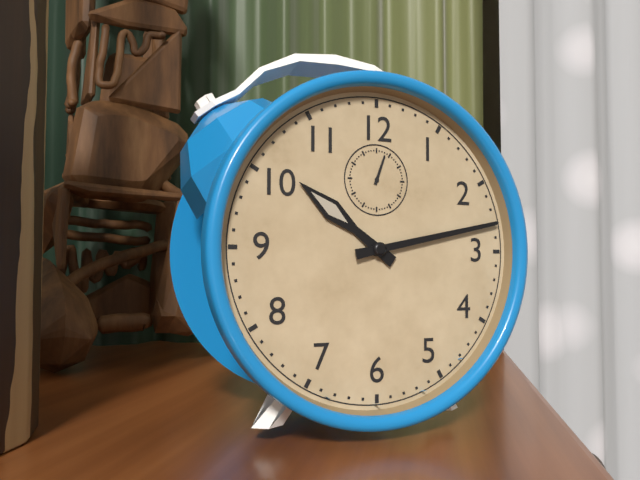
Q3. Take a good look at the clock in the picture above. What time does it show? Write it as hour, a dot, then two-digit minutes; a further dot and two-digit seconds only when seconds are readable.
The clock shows 10.13
